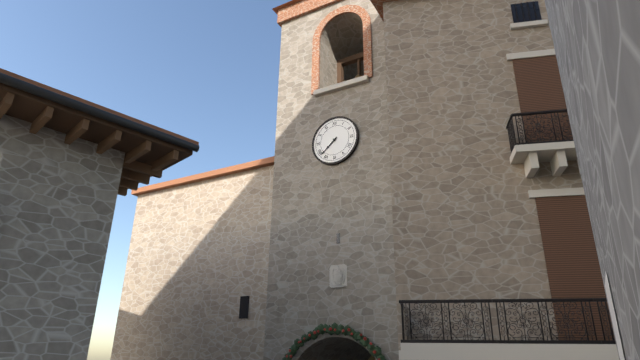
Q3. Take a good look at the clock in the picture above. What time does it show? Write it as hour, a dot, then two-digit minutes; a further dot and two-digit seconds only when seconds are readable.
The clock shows 7.38
